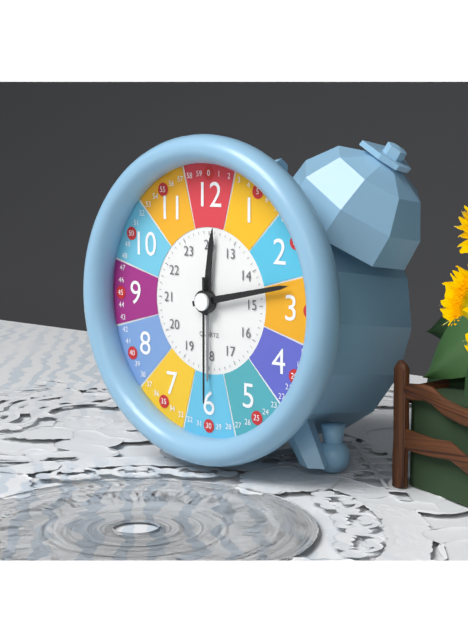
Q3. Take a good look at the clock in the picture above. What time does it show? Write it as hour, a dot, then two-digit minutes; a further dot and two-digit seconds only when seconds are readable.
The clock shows 12.13.30
